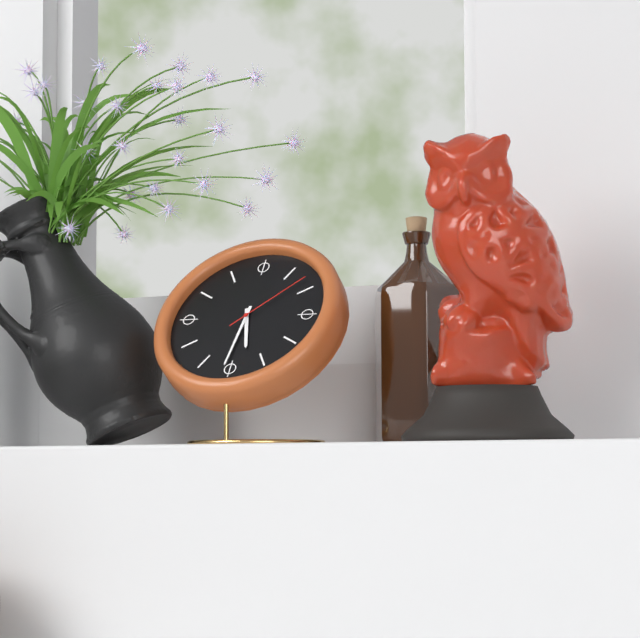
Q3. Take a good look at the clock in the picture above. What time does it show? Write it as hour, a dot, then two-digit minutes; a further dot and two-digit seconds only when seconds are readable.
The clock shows 5.31.08
